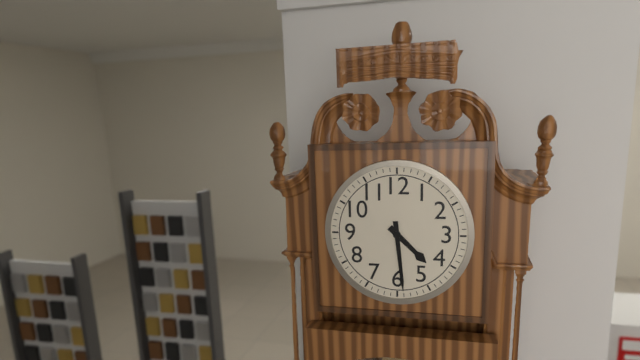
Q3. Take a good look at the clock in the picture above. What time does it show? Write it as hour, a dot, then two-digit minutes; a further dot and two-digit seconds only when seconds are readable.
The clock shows 4.29
